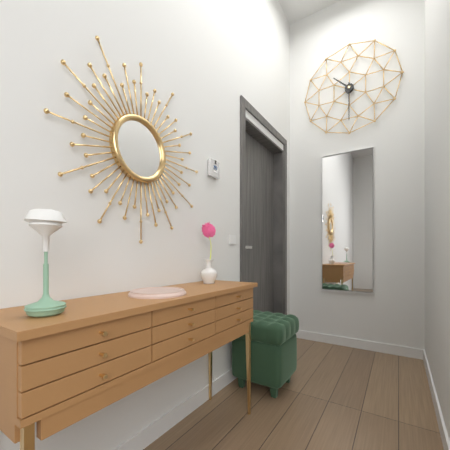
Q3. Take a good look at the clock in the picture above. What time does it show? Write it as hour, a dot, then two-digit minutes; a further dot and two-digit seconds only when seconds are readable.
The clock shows 10.30
